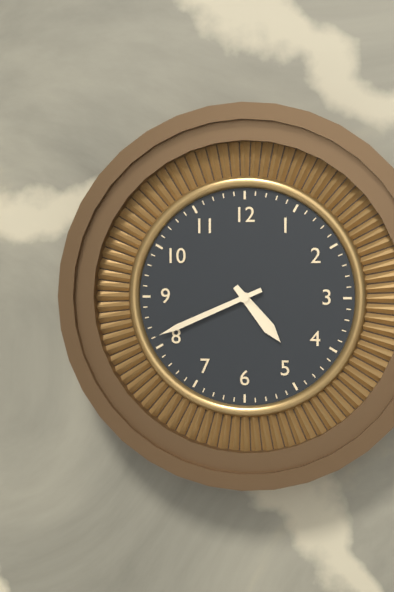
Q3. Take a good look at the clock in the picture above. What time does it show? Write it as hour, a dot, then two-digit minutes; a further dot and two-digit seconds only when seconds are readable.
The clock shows 4.41
